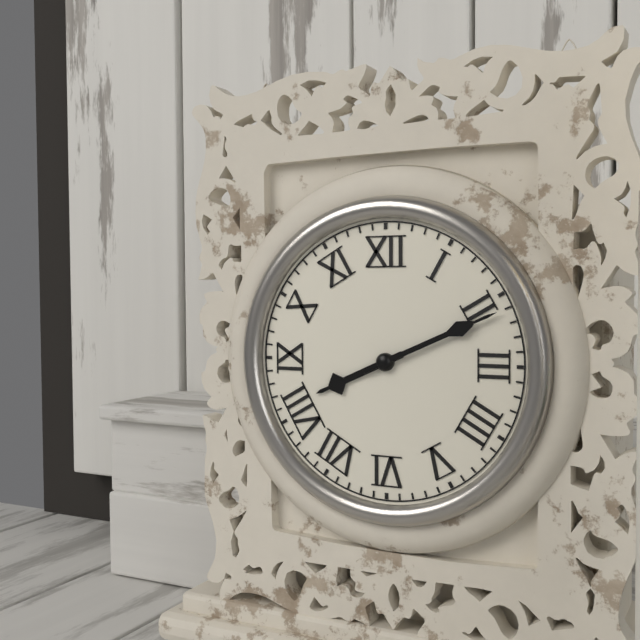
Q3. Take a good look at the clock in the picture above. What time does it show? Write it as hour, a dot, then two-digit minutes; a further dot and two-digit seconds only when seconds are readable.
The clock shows 8.11
